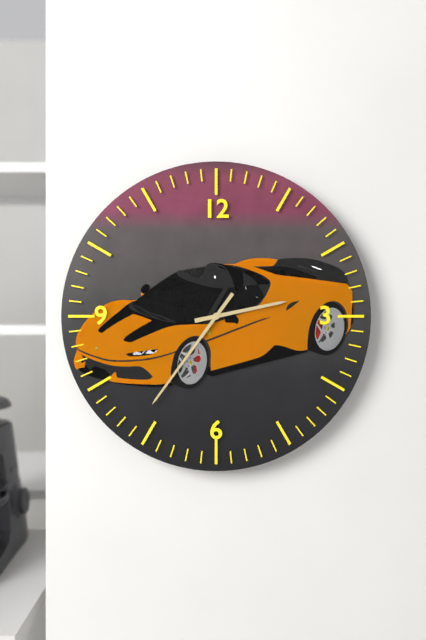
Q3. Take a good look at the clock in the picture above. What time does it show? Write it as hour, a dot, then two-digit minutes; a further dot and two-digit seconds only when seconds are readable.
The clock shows 2.36
